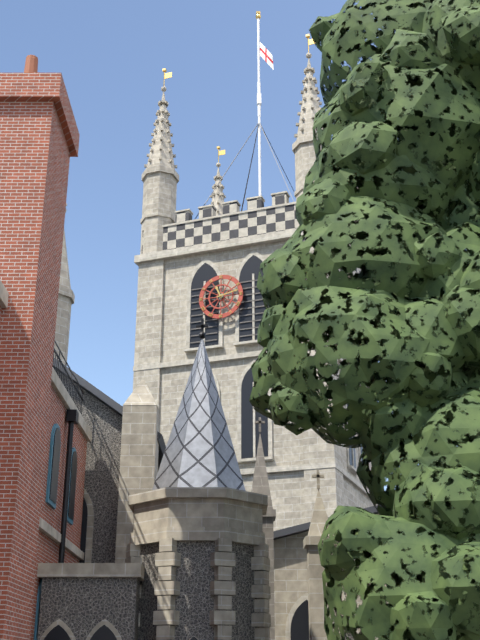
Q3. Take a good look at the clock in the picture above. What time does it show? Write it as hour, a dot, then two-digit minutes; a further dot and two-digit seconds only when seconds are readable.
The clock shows 11.13
